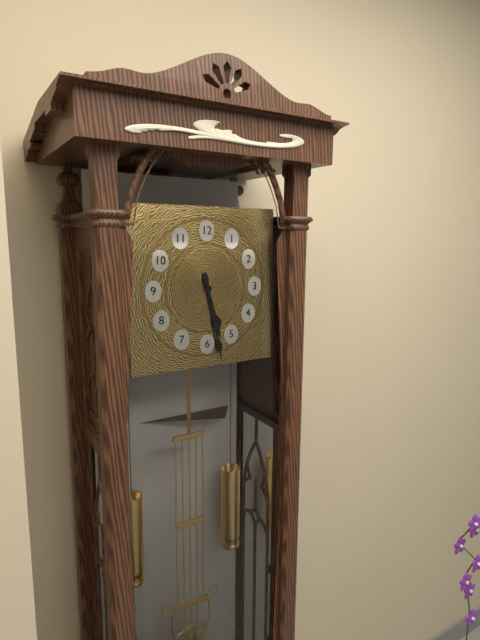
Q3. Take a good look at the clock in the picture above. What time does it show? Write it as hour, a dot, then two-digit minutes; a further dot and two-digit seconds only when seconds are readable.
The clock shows 5.28
